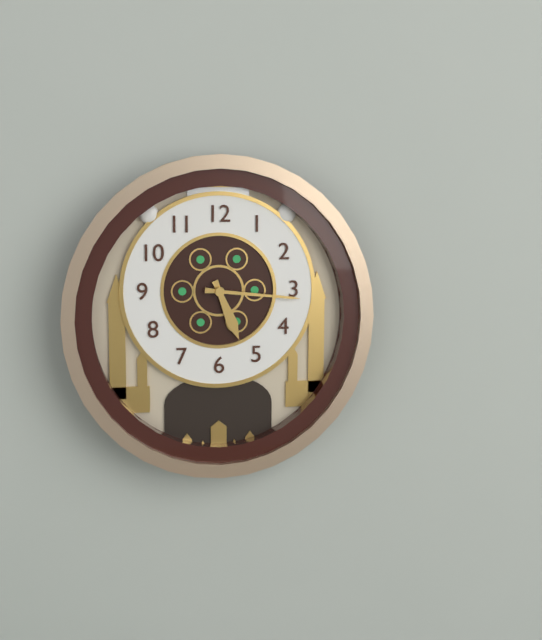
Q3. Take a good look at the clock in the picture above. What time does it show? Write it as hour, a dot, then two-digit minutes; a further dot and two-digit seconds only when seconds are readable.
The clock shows 5.16
